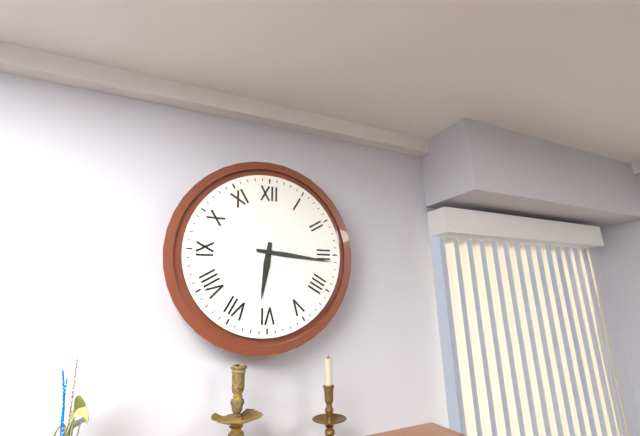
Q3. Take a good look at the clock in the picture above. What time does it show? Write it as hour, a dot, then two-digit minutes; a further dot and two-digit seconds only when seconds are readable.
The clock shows 6.16
